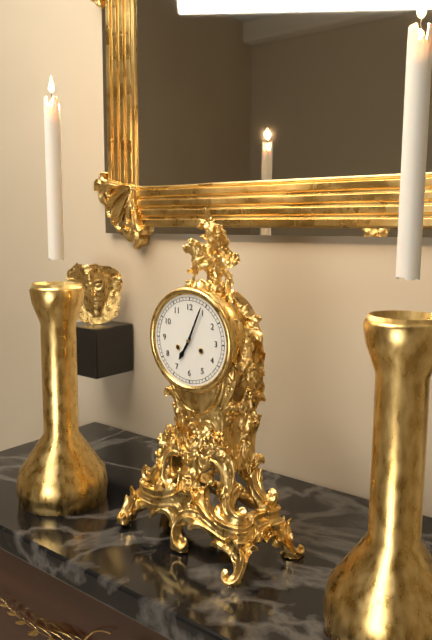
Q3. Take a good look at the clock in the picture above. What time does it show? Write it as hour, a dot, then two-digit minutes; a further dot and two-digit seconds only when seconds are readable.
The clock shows 7.04
